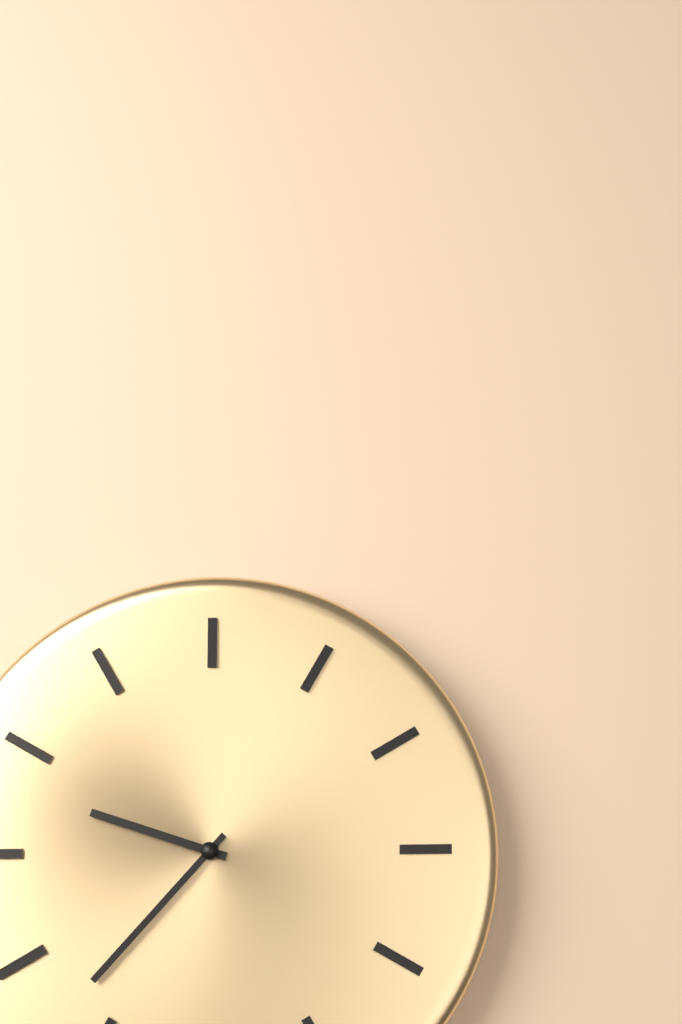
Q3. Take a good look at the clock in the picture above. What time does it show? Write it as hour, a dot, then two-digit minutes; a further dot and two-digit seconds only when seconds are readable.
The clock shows 9.37
